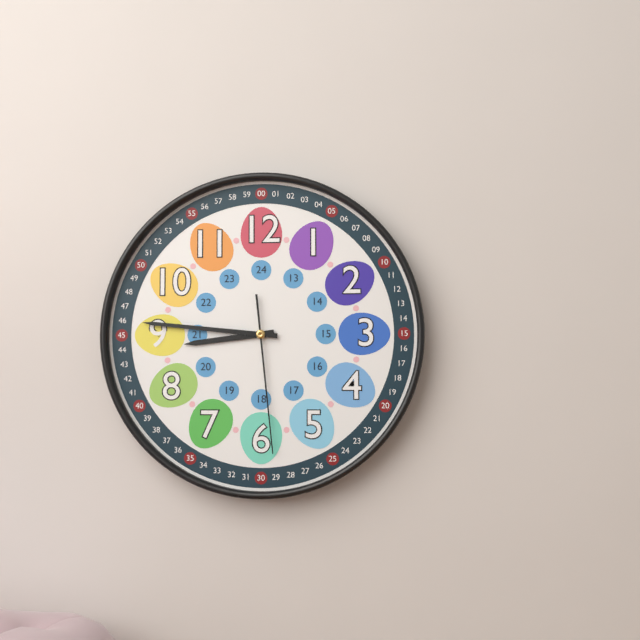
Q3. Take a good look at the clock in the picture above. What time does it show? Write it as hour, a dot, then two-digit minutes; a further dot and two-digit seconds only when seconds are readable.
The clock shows 8.46.29
